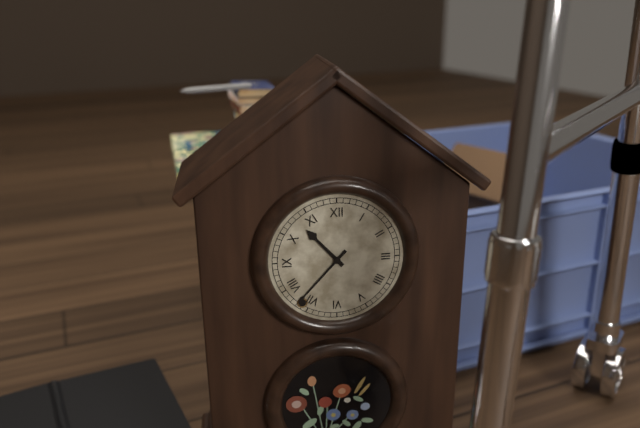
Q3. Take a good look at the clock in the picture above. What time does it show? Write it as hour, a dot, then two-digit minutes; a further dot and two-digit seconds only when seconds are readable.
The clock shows 10.37
